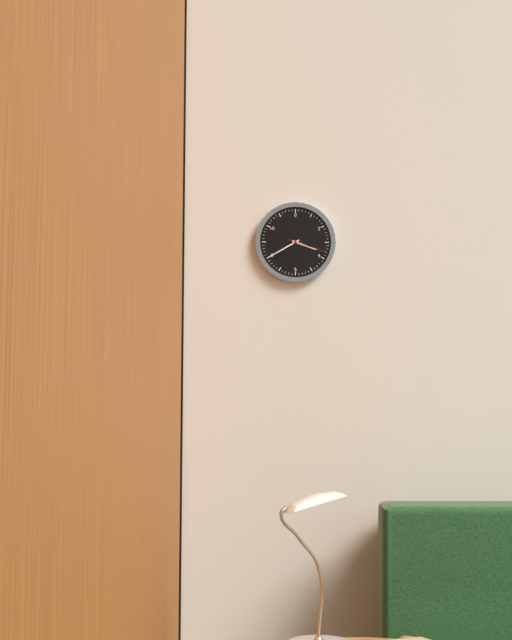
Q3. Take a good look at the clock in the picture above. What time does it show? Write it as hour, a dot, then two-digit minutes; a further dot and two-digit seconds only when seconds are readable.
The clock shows 3.40
